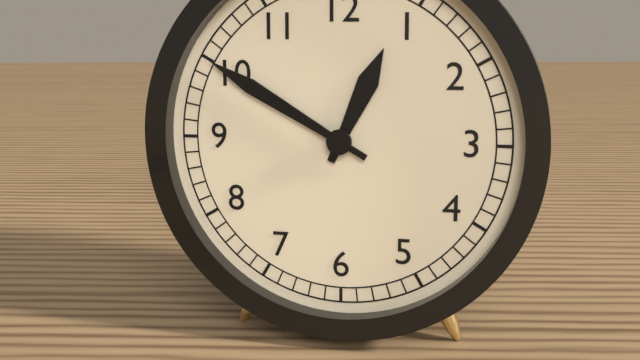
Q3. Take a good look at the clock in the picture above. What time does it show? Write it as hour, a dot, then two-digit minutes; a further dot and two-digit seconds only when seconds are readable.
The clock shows 12.50
